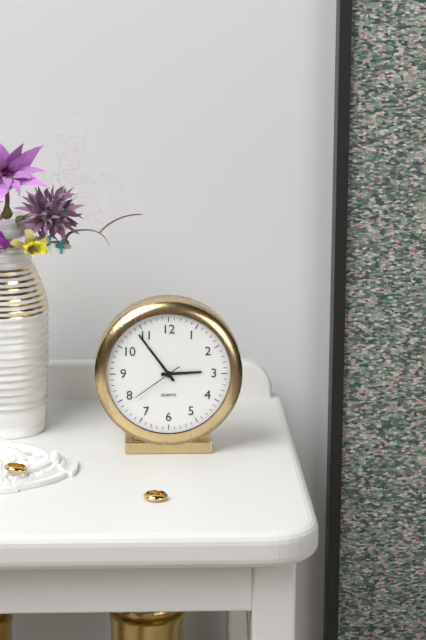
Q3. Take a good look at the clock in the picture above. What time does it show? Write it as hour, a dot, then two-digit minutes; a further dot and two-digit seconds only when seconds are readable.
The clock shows 2.54.39
